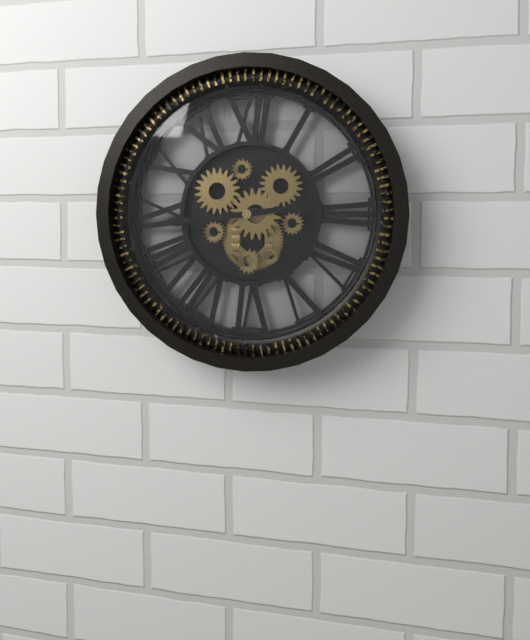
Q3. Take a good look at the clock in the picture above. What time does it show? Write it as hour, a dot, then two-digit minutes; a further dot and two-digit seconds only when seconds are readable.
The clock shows 2.44
